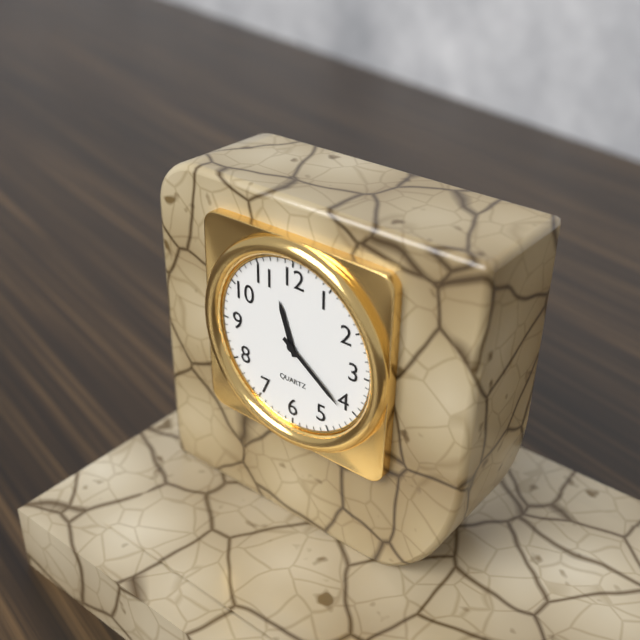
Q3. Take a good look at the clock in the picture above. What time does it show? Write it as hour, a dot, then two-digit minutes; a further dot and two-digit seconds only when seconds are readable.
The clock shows 11.21
